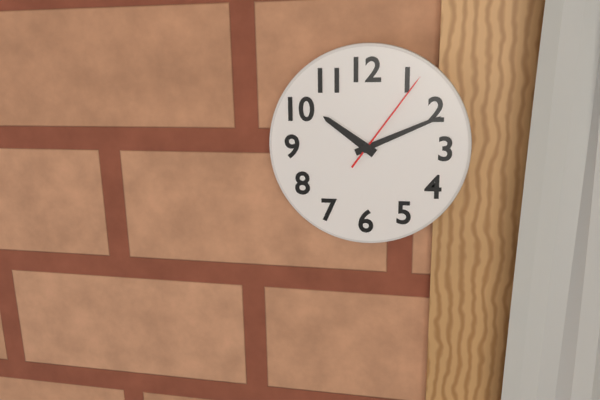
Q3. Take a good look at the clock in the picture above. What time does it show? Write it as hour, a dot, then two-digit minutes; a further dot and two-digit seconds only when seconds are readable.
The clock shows 10.11.06
